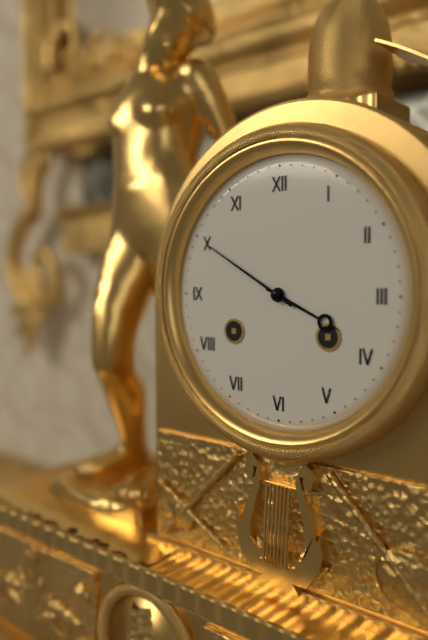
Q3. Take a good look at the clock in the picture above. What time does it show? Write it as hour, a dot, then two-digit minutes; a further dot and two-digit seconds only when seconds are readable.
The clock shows 3.50
